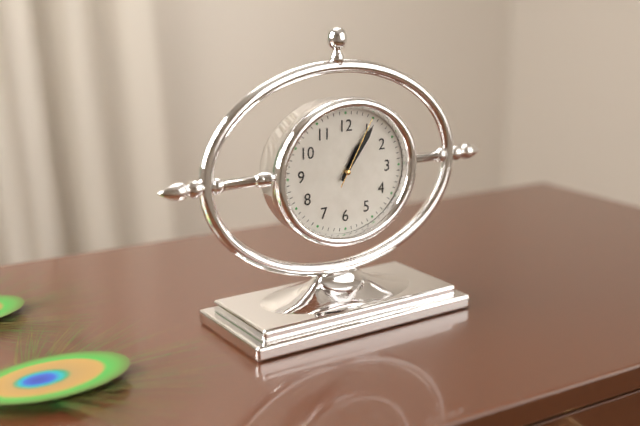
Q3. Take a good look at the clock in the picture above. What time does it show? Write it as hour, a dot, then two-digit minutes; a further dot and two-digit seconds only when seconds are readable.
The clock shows 1.06.05
